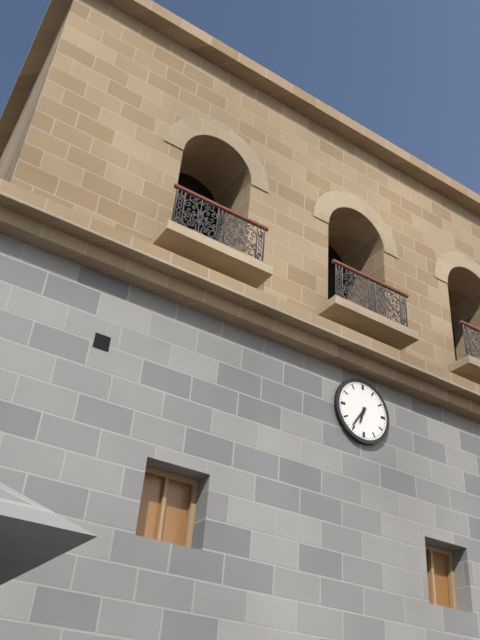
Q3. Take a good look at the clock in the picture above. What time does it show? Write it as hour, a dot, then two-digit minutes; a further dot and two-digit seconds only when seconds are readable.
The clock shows 6.36
